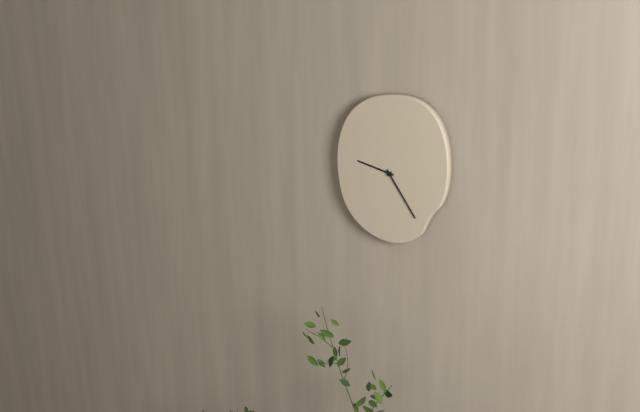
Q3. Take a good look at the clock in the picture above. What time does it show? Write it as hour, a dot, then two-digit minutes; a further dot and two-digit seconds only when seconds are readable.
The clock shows 9.24
